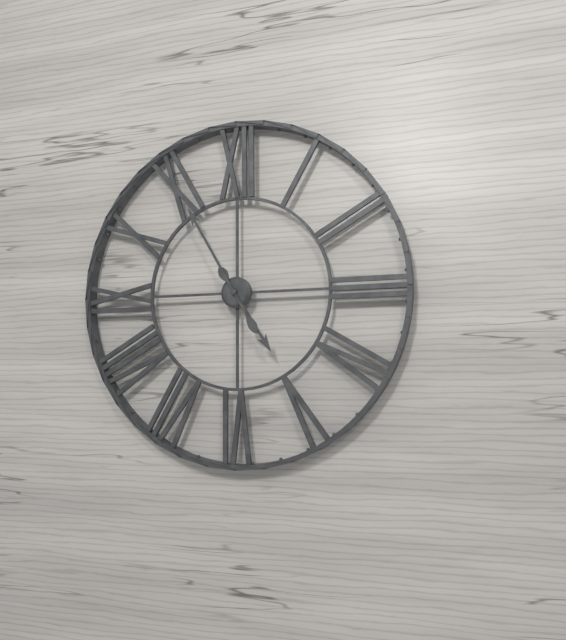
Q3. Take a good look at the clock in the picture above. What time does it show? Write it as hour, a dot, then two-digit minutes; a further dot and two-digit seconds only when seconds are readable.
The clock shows 4.55
